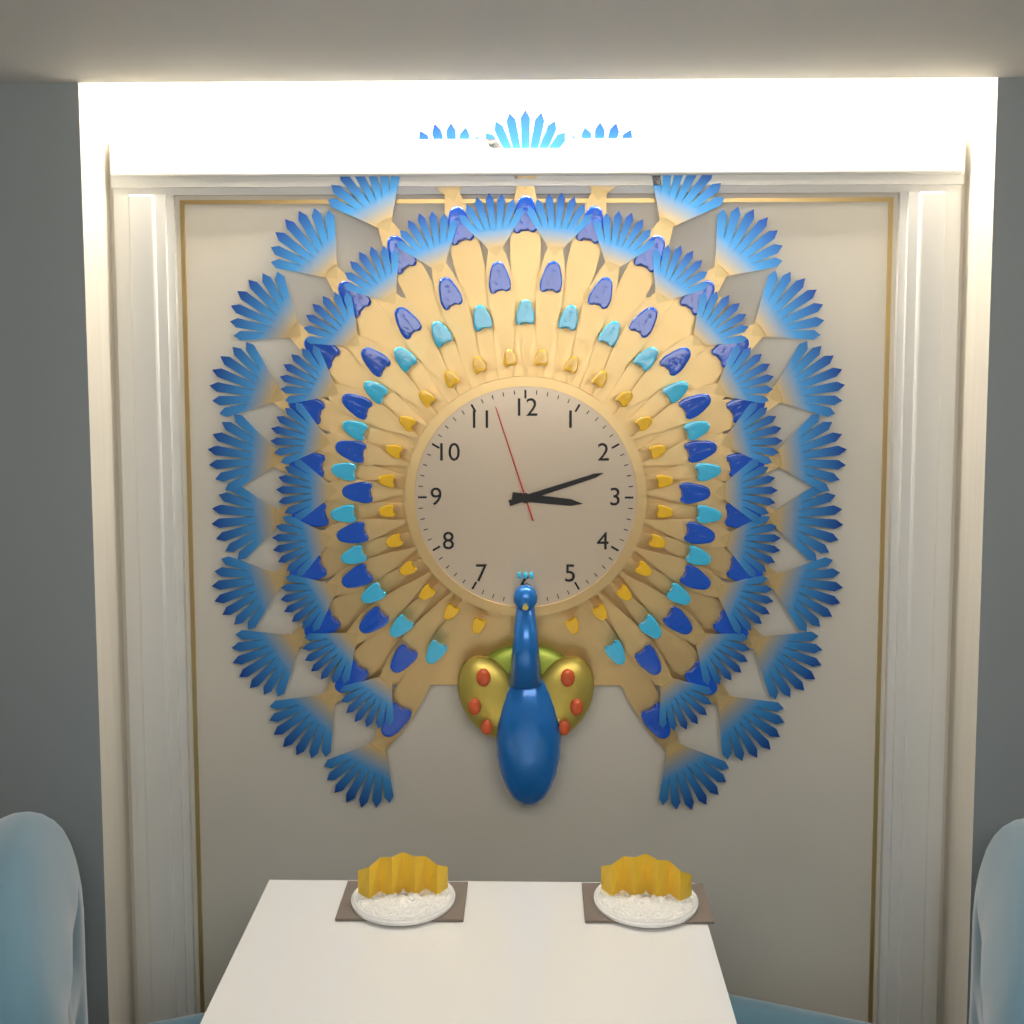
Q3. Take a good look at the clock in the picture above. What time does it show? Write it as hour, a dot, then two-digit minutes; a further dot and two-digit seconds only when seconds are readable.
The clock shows 3.12.57
